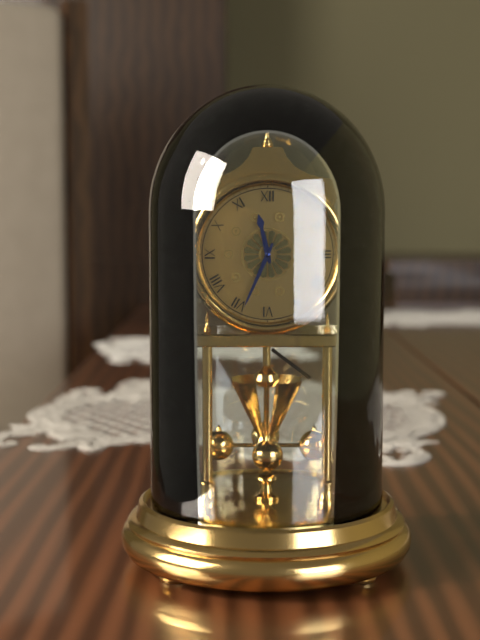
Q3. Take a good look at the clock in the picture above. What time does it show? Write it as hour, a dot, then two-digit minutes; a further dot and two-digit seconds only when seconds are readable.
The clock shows 11.34
